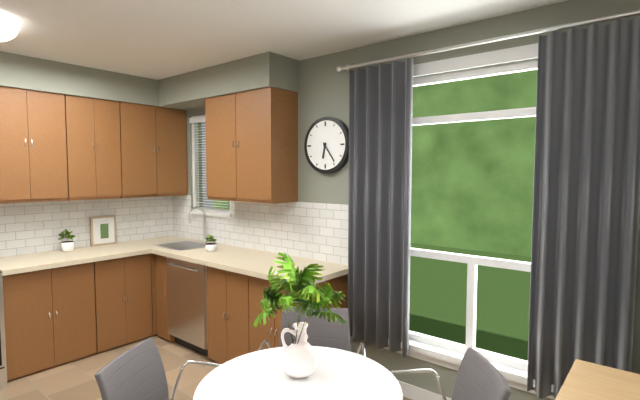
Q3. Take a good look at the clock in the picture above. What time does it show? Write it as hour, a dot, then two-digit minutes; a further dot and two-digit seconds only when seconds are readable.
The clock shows 6.24
